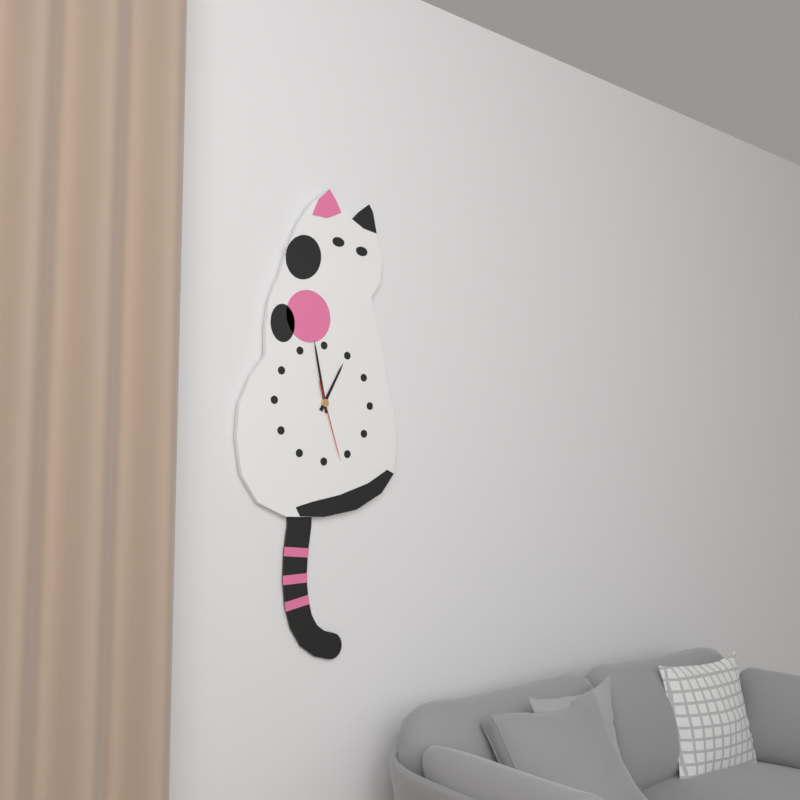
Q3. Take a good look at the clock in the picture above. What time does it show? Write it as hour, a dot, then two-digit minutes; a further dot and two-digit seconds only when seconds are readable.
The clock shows 12.58.27
